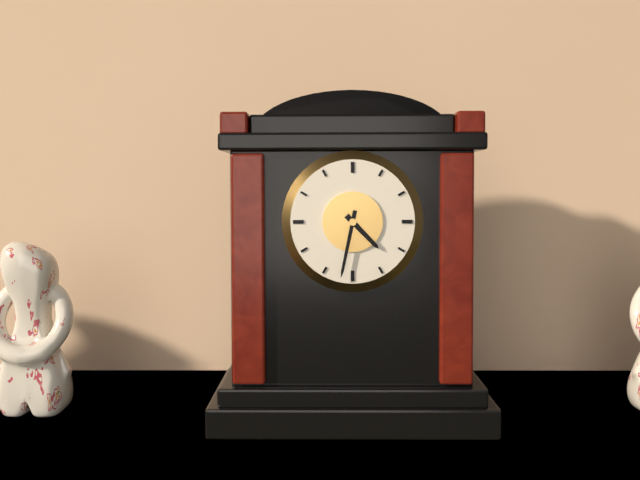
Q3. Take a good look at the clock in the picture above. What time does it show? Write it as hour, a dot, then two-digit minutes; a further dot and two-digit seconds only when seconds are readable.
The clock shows 4.32
